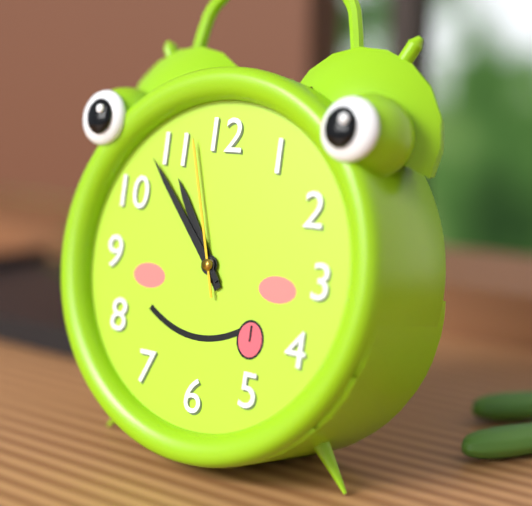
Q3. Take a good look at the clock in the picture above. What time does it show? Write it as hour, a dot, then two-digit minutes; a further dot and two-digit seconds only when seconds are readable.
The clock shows 10.53.57
